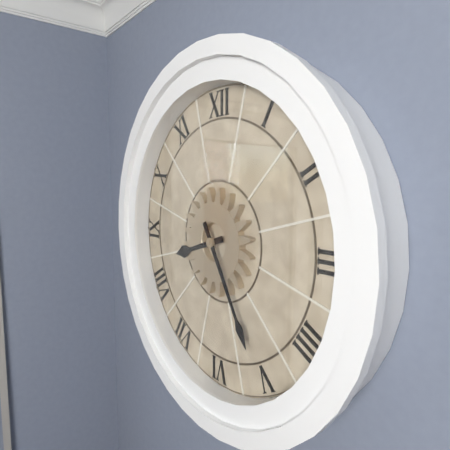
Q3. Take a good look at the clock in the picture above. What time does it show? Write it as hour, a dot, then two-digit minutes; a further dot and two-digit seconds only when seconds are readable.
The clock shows 8.25
